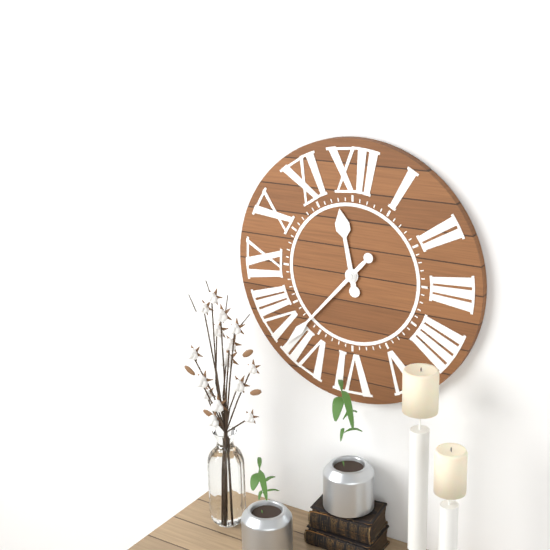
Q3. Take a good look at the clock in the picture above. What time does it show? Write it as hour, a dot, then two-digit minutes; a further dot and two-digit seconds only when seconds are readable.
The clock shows 11.37
